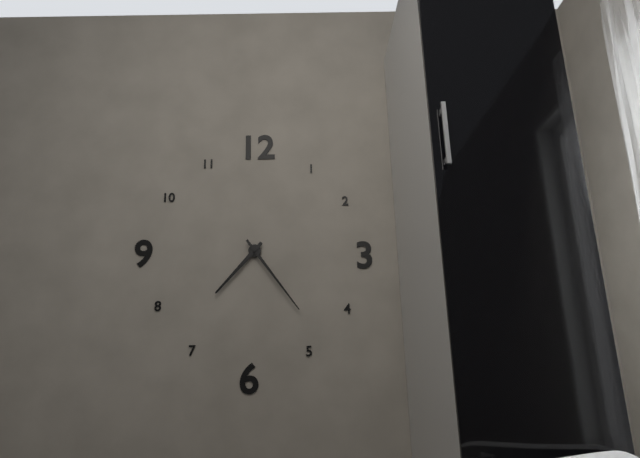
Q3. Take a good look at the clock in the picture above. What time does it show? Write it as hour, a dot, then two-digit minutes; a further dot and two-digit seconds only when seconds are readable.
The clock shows 7.24
